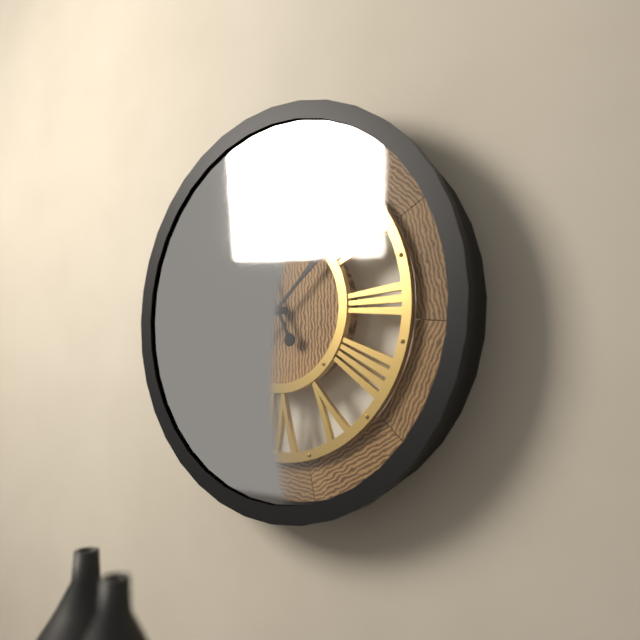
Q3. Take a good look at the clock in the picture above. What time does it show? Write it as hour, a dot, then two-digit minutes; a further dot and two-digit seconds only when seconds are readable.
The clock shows 11.08
